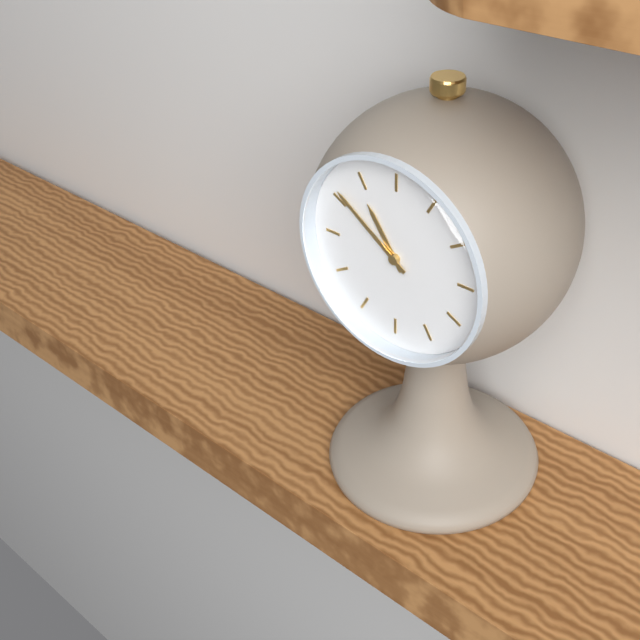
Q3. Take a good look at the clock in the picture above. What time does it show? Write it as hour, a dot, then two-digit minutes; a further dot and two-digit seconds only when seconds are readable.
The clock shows 10.51
